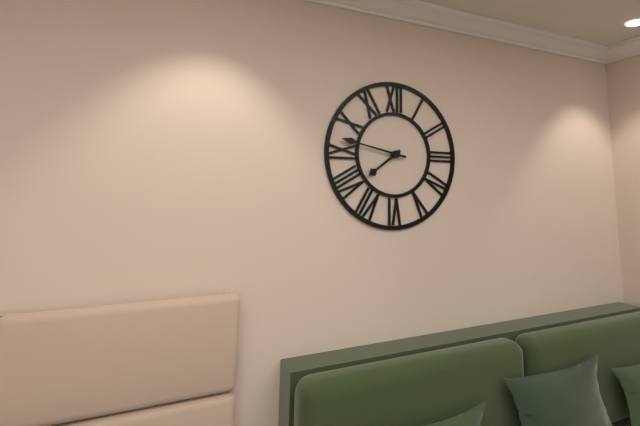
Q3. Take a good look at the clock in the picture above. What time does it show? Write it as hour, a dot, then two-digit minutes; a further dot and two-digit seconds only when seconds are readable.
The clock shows 7.47
